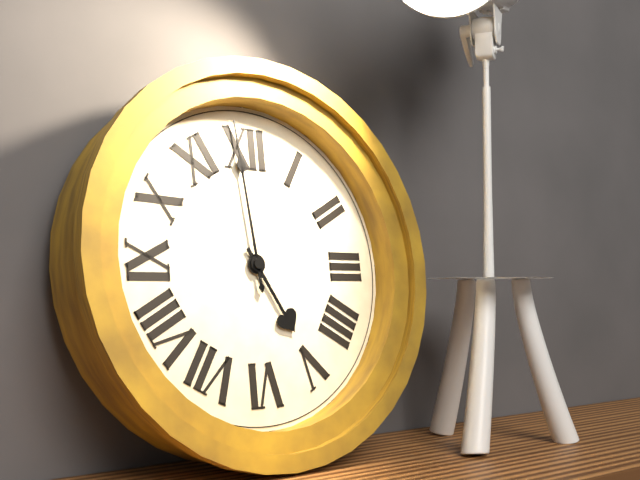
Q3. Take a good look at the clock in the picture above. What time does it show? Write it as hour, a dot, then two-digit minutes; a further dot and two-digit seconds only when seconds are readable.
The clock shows 4.59
